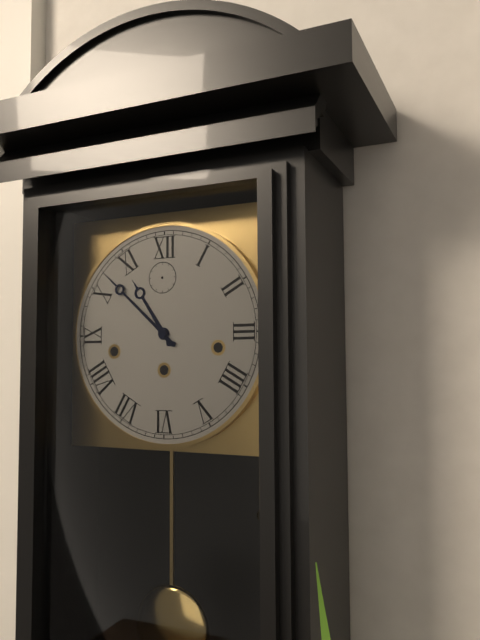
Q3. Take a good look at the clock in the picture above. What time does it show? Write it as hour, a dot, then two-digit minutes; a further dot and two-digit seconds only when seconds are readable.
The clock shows 10.52
